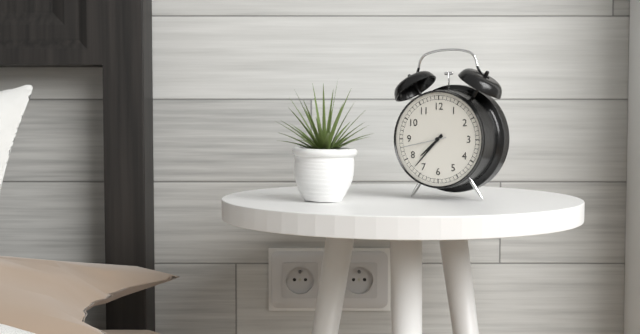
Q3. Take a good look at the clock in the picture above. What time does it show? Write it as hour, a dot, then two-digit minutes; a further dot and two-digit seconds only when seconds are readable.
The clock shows 7.37
